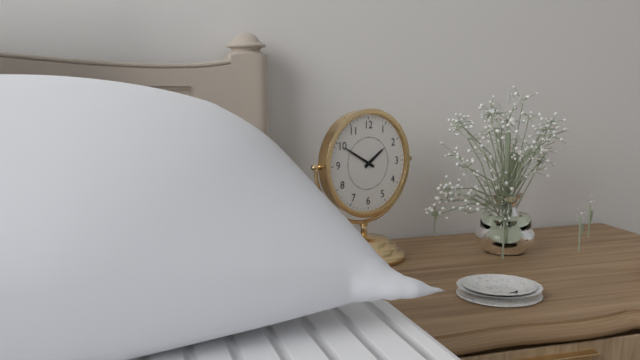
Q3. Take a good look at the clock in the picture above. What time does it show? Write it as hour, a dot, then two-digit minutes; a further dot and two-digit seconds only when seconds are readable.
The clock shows 1.50
